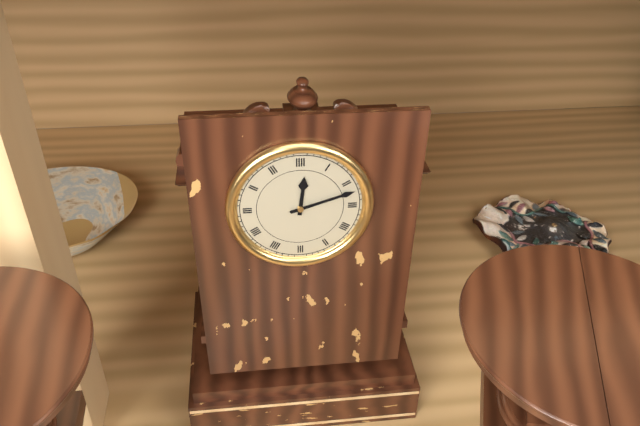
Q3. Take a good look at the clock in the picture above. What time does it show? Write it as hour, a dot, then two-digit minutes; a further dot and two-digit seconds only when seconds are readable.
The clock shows 12.12
